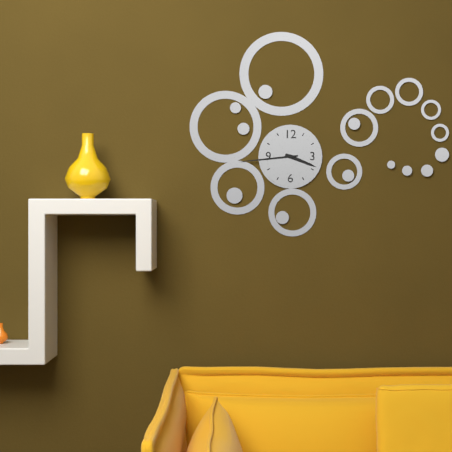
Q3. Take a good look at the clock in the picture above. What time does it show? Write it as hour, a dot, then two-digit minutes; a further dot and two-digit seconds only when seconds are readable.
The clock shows 3.44
